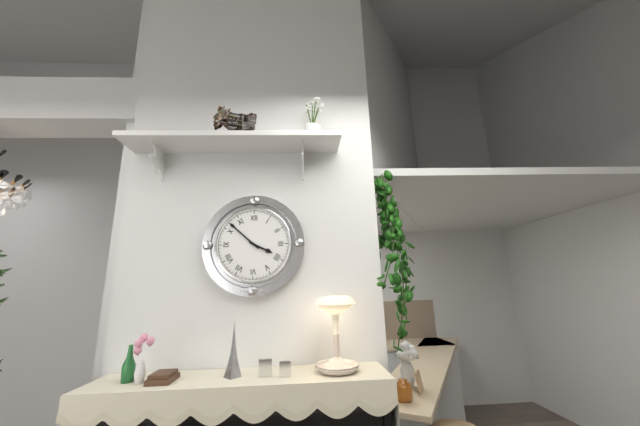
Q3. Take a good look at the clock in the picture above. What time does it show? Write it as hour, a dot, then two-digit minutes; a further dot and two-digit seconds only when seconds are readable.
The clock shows 3.52
